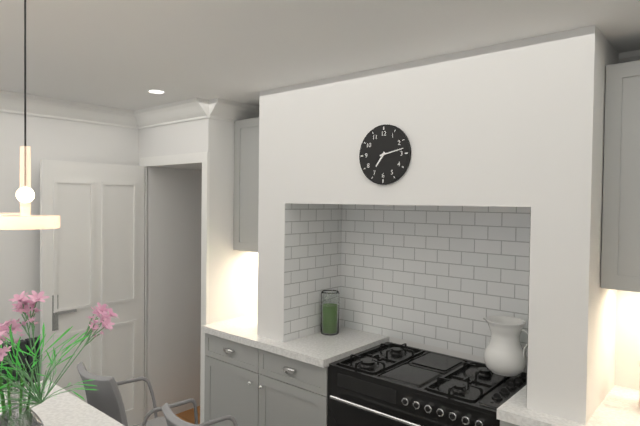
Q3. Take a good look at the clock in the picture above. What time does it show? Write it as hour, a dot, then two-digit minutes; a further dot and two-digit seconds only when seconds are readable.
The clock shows 7.13
